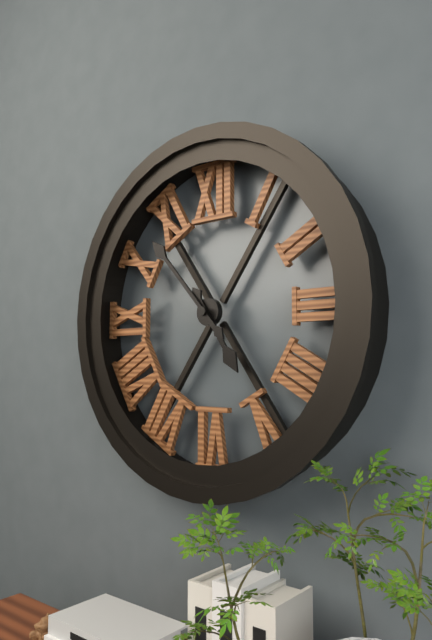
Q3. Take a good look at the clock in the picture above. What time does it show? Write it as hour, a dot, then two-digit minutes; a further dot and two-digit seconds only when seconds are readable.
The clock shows 4.53
